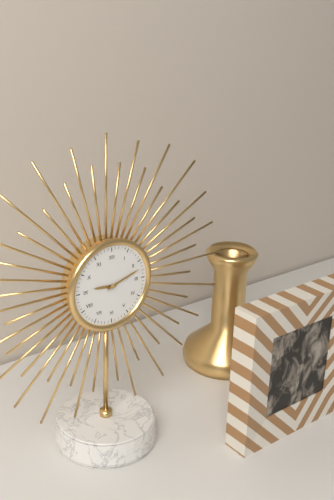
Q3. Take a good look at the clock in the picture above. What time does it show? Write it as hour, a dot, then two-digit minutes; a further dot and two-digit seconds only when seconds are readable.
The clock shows 9.12
